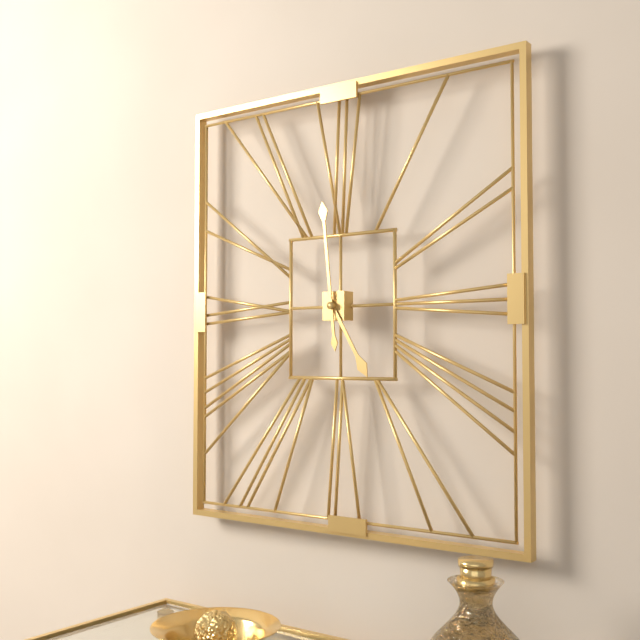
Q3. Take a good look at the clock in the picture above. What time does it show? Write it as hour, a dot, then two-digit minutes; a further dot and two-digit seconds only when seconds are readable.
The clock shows 4.59
